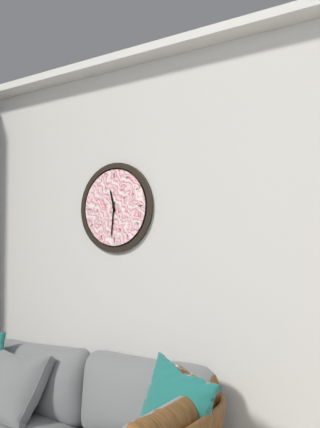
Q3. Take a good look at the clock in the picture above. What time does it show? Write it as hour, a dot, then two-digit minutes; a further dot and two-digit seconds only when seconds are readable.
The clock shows 11.31
